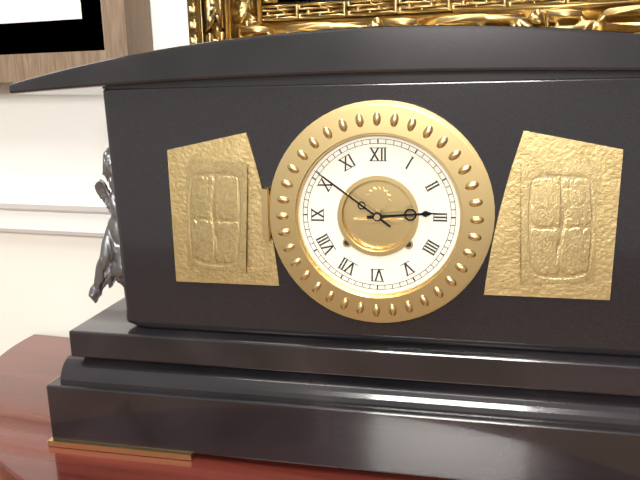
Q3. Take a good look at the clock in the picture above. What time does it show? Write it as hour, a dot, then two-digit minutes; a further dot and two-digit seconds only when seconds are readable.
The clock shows 2.51
